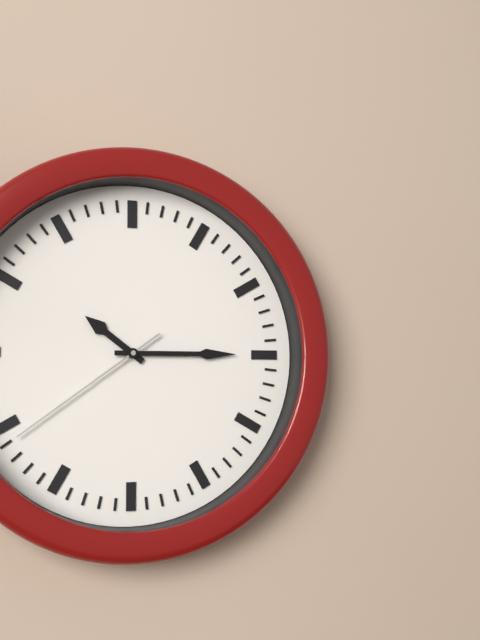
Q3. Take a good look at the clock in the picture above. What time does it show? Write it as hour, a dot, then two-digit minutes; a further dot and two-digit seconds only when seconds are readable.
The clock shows 10.15.39
